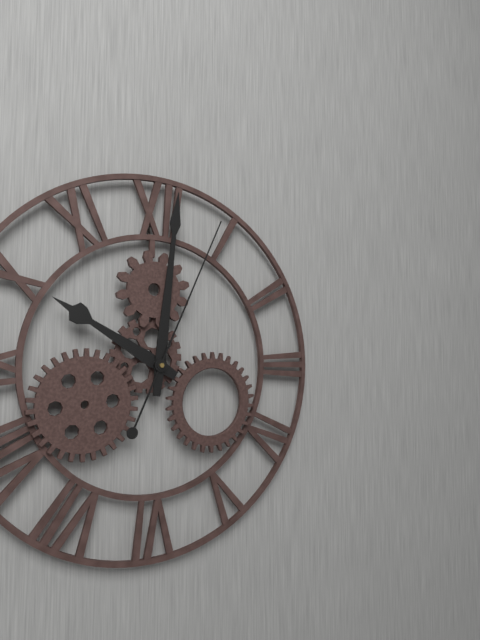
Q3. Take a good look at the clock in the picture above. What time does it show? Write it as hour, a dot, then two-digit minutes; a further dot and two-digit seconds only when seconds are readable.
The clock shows 10.01.04
